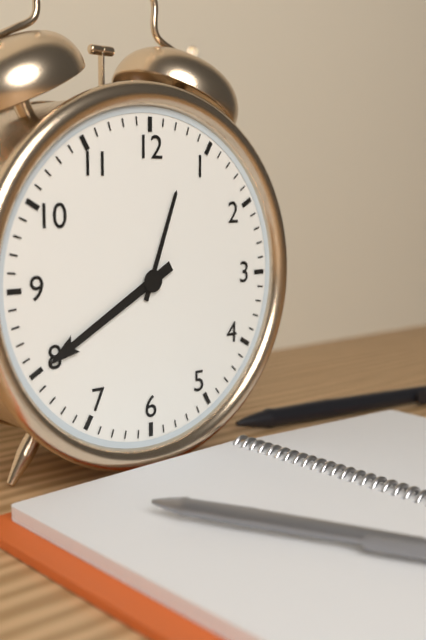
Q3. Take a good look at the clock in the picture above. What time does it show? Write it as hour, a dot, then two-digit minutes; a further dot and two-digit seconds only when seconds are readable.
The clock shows 12.40
